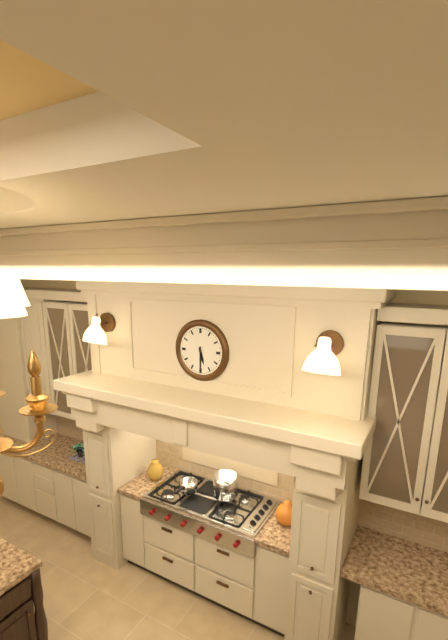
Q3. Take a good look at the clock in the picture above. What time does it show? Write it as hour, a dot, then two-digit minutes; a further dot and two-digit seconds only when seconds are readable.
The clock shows 5.30
